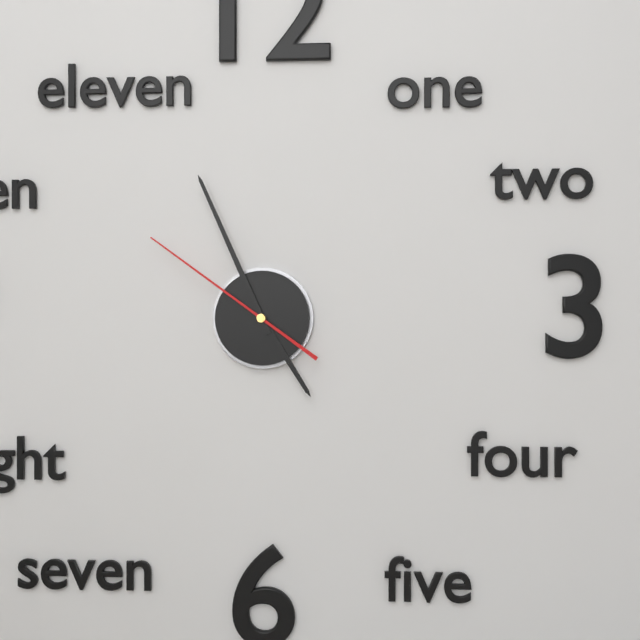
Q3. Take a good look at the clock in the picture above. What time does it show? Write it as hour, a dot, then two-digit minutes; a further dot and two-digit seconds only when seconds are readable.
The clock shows 4.56.51
